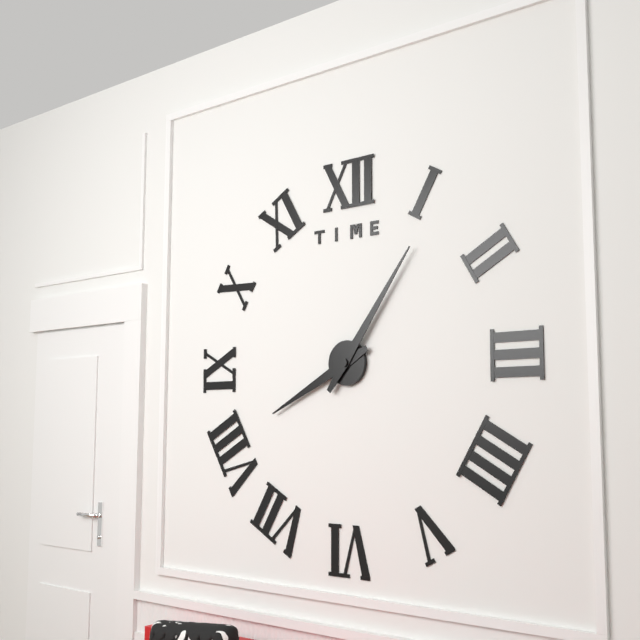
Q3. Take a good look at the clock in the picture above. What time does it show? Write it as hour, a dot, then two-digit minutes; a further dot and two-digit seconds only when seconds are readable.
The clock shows 8.06
